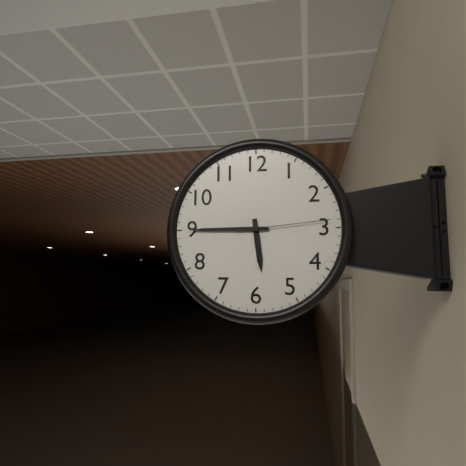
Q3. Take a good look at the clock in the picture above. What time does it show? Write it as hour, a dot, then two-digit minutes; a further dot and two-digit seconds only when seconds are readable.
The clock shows 5.45.14
